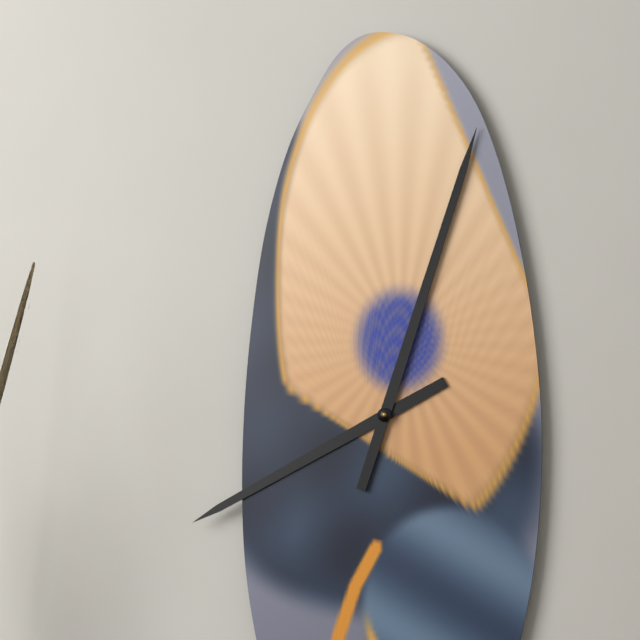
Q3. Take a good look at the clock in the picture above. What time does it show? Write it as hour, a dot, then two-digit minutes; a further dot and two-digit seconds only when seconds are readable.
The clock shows 8.03
